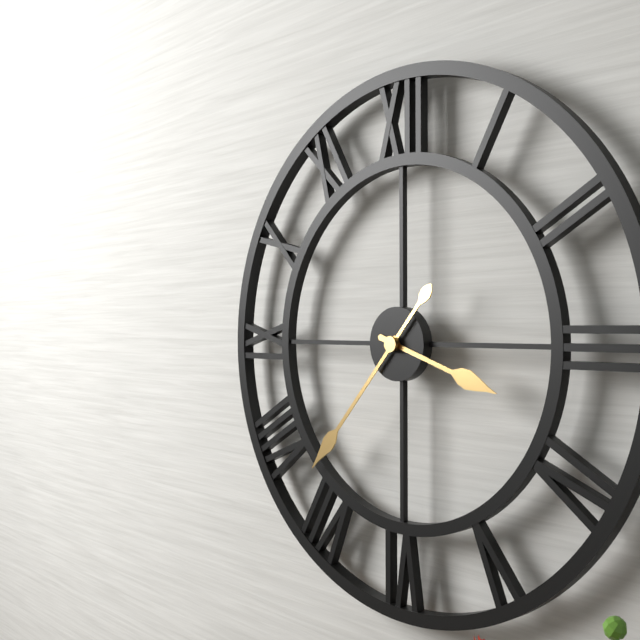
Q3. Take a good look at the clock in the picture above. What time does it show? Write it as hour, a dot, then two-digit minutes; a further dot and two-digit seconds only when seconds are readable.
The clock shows 3.37
